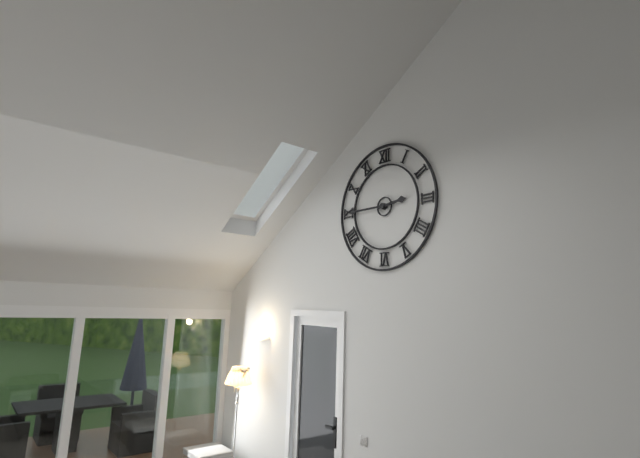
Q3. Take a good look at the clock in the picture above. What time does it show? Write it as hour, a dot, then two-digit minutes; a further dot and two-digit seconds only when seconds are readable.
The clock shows 2.45
